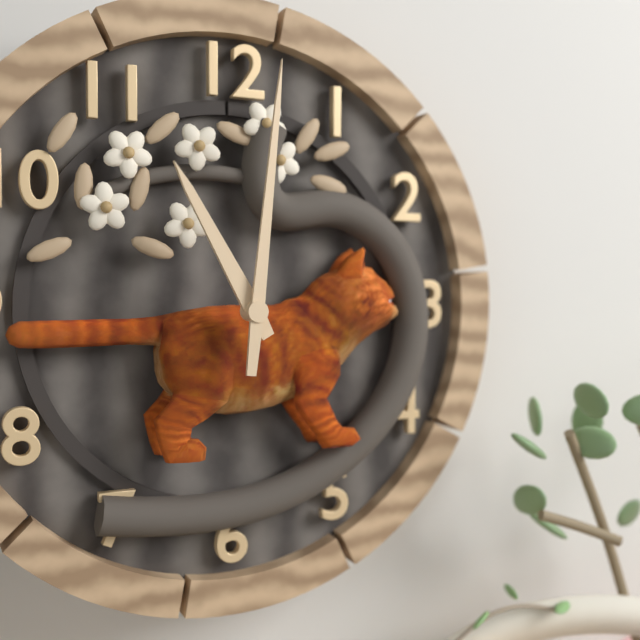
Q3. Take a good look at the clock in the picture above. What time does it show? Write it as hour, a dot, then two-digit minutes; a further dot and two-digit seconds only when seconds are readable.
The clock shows 11.01
